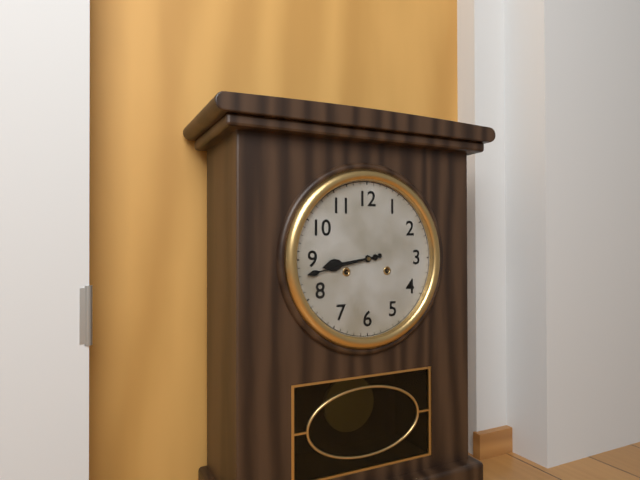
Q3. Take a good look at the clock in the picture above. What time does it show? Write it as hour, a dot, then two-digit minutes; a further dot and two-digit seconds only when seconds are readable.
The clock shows 8.43
